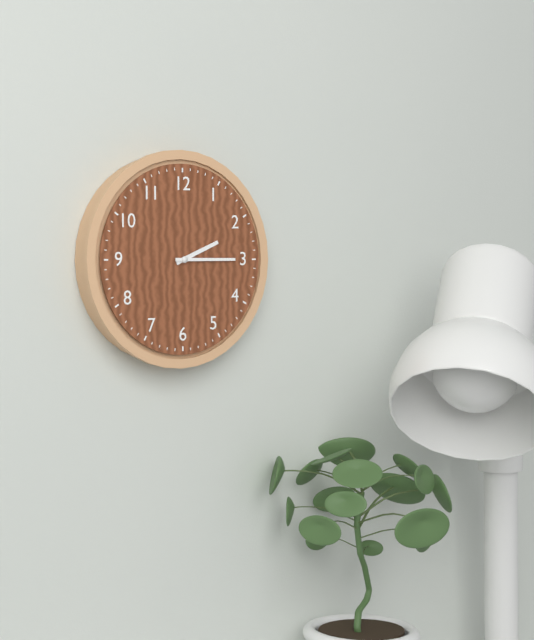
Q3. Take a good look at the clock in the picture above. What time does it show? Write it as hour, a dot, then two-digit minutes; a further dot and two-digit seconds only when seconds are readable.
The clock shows 2.15
